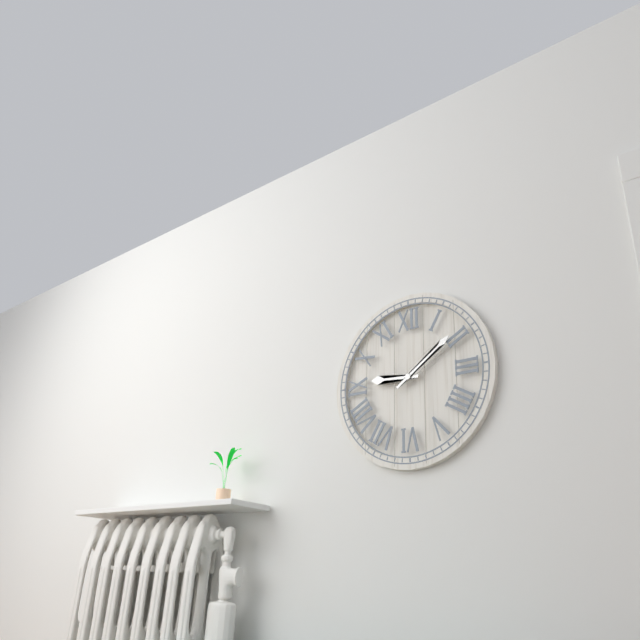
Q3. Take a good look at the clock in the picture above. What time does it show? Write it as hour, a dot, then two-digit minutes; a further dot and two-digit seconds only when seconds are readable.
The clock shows 9.09
